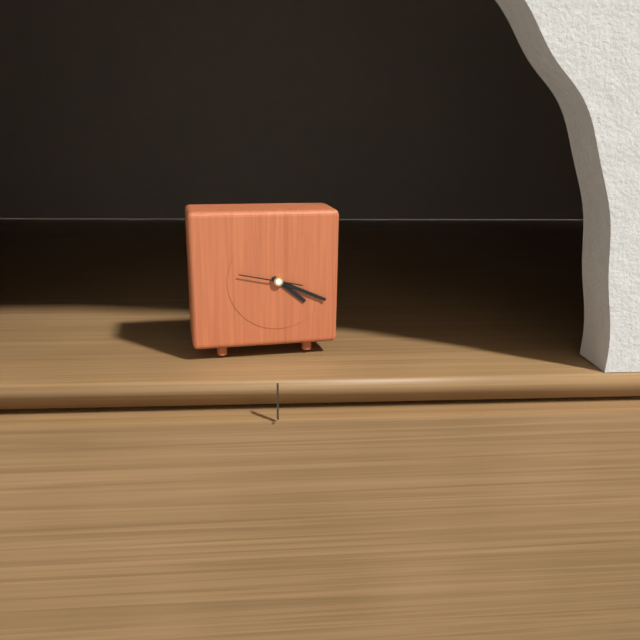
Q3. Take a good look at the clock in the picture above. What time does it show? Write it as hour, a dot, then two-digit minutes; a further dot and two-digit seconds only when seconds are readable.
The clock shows 4.19.47
